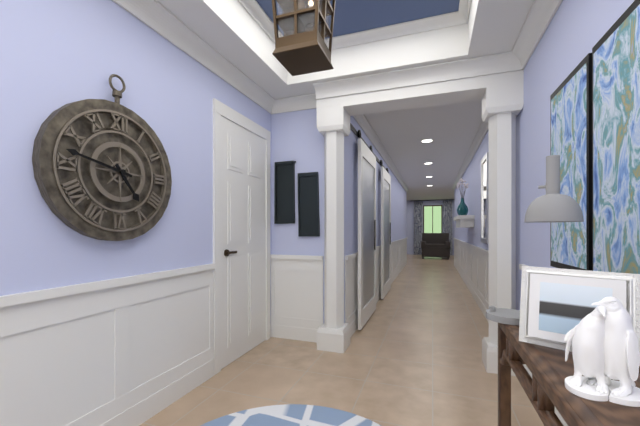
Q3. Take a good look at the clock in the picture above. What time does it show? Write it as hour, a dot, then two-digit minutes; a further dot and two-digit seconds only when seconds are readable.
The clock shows 4.47
